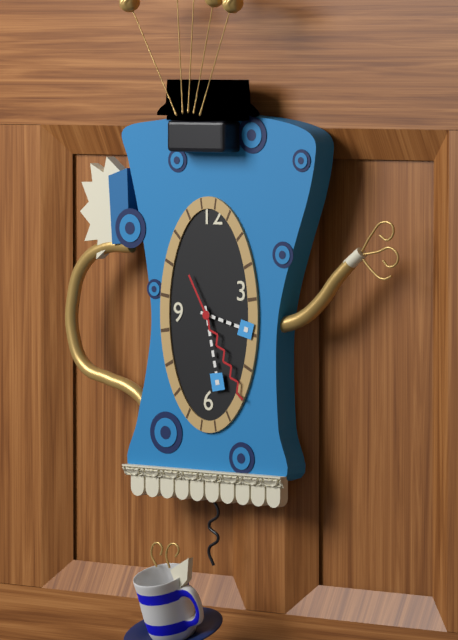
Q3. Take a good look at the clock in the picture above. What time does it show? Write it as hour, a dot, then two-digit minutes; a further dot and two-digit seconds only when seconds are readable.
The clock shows 3.28.25
